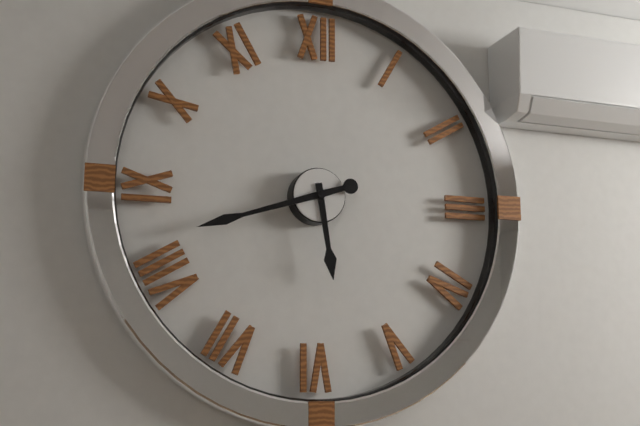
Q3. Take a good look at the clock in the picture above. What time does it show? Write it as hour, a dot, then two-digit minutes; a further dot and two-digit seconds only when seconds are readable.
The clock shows 5.42
